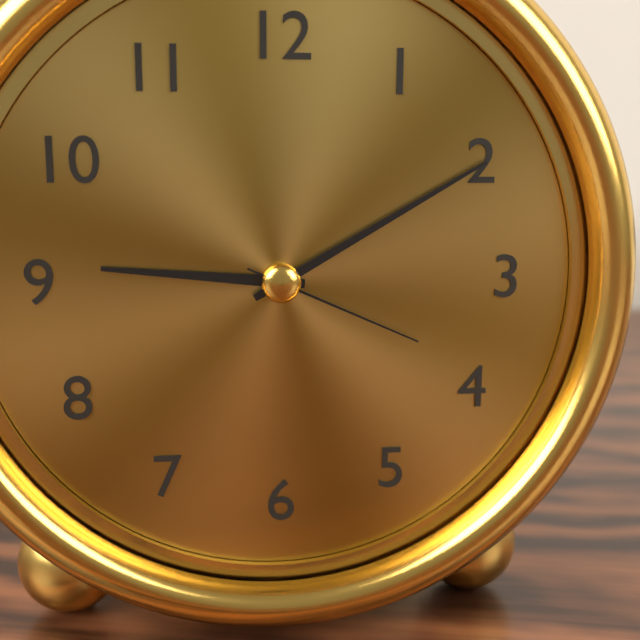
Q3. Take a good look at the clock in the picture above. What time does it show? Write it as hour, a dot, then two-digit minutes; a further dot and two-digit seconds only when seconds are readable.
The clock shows 9.10.19
